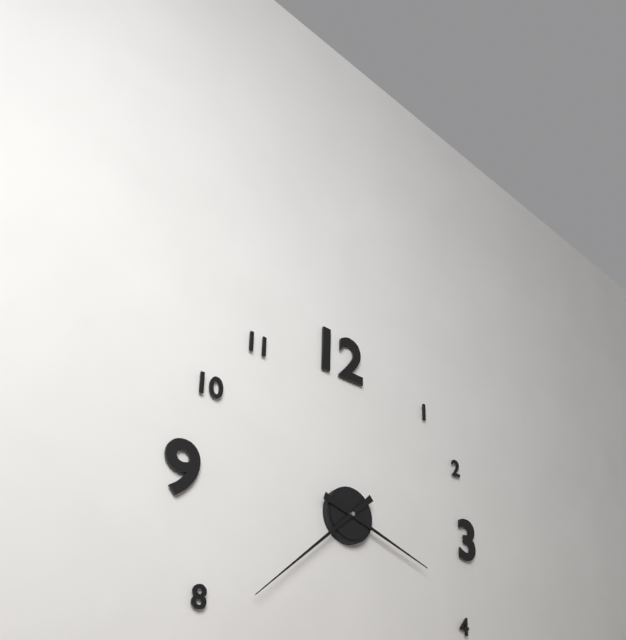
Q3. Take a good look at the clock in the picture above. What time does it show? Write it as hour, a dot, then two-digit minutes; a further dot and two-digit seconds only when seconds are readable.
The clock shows 3.38
